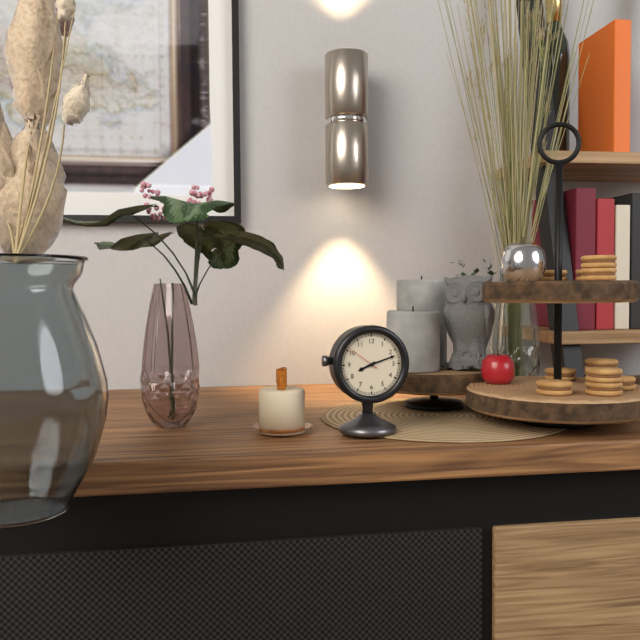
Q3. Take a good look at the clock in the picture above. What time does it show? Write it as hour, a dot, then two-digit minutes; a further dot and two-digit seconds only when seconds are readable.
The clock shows 8.12
